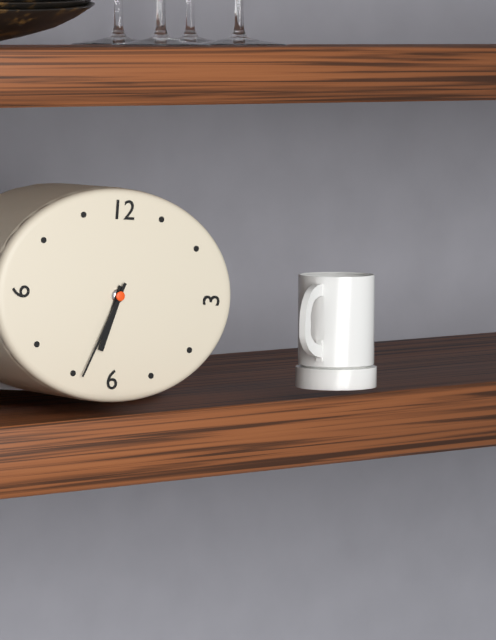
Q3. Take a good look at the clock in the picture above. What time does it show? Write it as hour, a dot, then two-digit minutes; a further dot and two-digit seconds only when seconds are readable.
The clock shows 6.34
